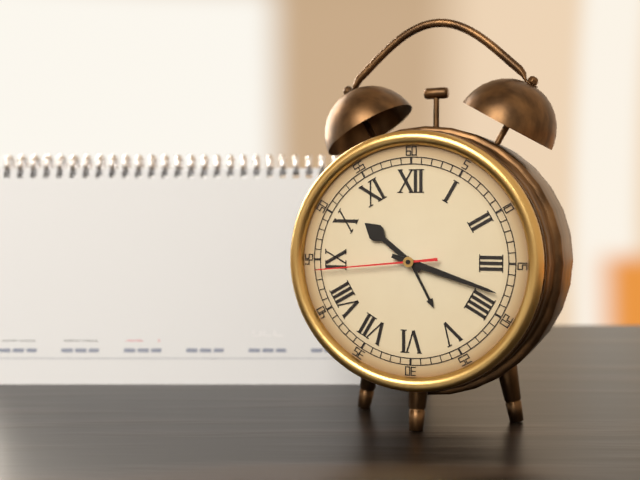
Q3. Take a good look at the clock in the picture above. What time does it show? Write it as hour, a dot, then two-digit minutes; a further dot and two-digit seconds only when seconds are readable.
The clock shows 10.18.44
